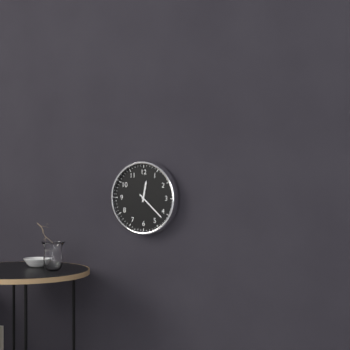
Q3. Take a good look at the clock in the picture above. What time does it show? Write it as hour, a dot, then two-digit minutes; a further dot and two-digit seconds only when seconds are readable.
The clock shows 12.22
